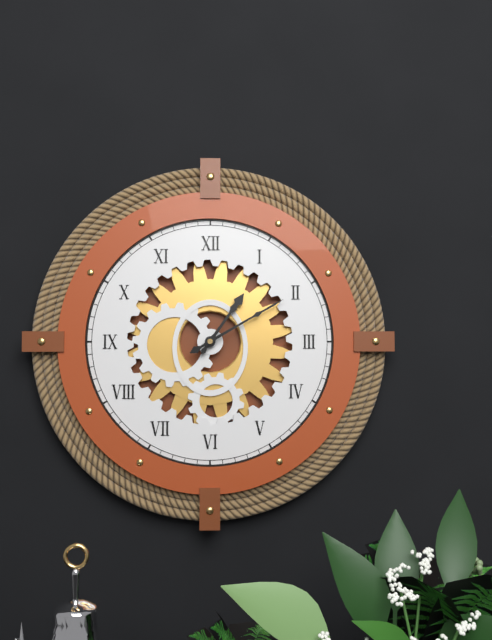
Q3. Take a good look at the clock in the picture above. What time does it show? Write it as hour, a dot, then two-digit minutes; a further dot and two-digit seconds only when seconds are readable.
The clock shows 1.10
